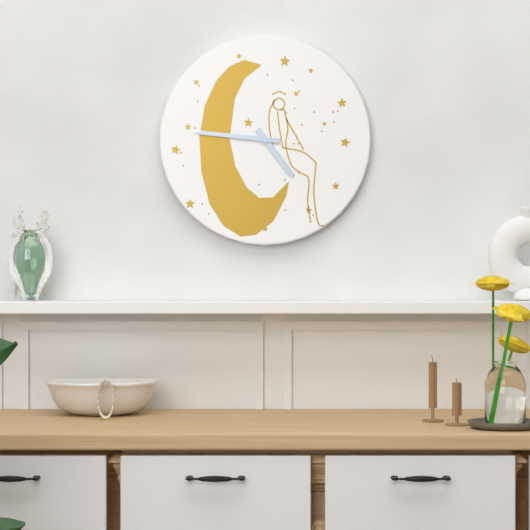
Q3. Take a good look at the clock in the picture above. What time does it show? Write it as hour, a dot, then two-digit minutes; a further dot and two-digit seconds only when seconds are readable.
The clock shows 4.46
